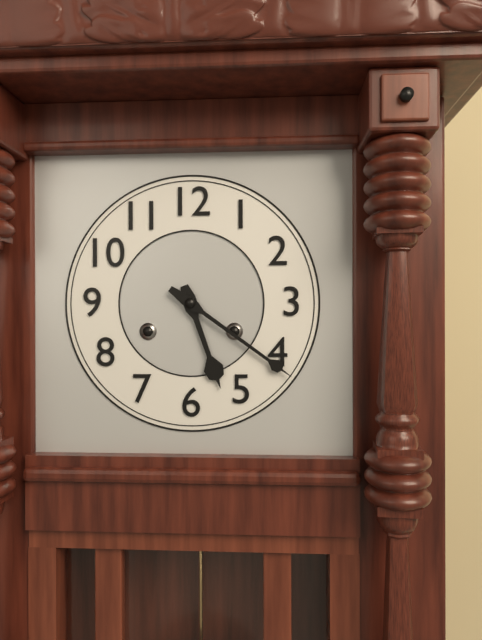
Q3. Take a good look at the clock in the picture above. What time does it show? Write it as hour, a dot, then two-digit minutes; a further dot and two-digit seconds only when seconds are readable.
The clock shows 5.21
